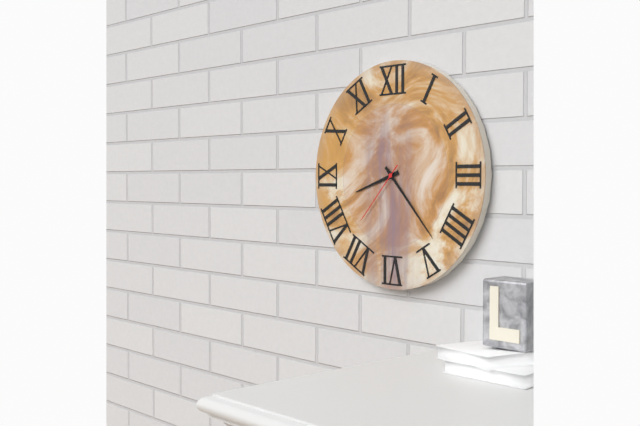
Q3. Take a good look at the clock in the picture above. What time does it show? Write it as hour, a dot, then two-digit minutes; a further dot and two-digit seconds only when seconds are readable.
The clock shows 8.23.37
